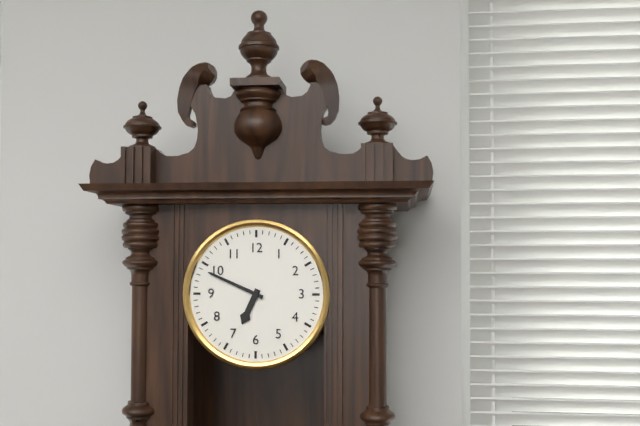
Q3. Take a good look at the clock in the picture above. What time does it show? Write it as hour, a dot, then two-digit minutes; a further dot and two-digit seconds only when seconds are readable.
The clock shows 6.49
